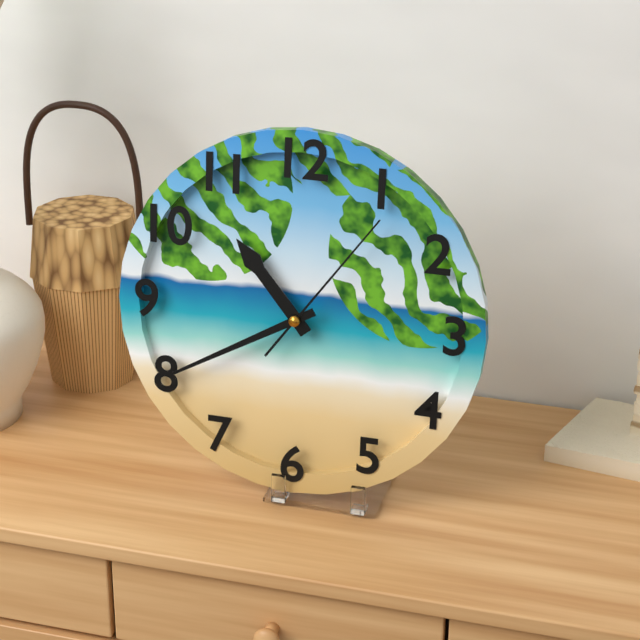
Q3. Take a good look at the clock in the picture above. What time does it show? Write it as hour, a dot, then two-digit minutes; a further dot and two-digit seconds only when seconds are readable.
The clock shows 10.40.06
